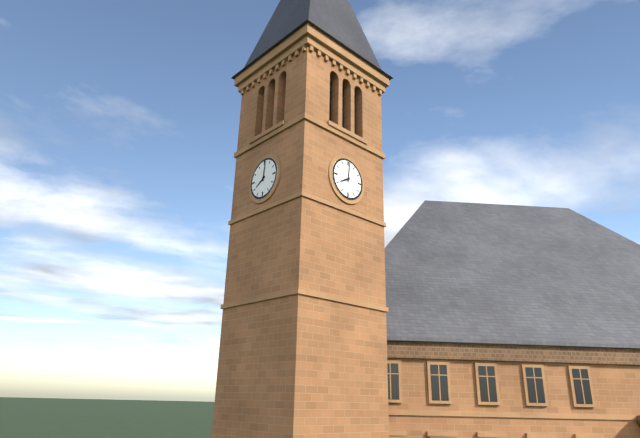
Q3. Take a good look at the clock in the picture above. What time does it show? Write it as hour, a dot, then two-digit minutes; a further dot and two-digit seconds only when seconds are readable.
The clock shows 8.01
